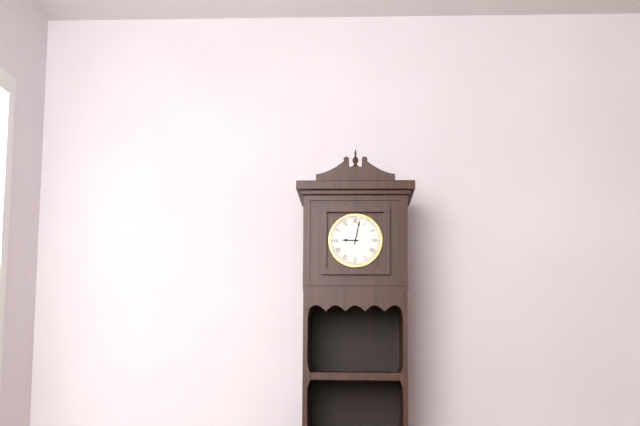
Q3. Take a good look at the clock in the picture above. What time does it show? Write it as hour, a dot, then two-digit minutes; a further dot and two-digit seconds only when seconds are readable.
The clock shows 9.02
